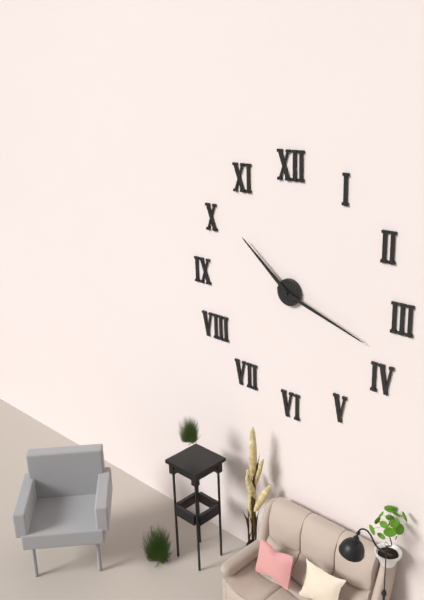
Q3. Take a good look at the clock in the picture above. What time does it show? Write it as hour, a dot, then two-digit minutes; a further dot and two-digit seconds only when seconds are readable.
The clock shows 10.18
